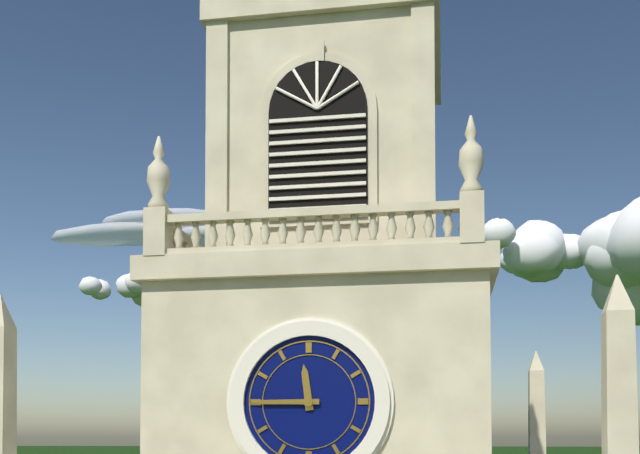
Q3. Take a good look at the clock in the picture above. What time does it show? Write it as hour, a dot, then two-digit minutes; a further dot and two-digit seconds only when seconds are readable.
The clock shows 11.45
